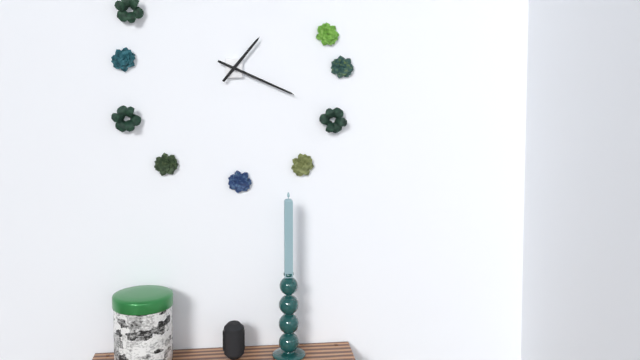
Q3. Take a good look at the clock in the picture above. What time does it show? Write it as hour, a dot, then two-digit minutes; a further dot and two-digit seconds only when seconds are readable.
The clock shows 1.19
